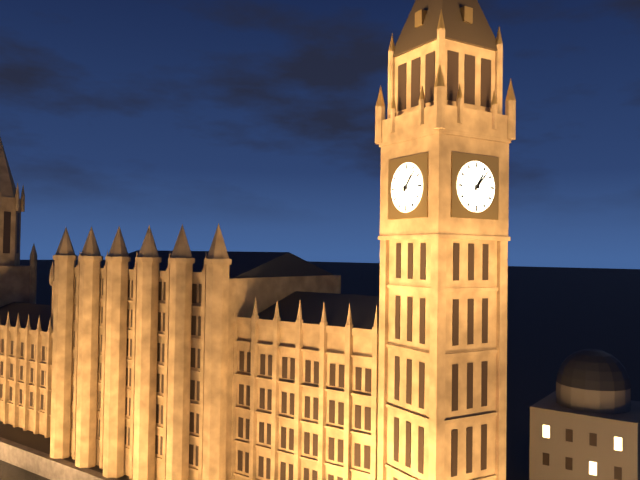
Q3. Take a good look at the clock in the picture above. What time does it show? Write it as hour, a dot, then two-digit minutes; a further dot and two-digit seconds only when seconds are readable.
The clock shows 1.07
